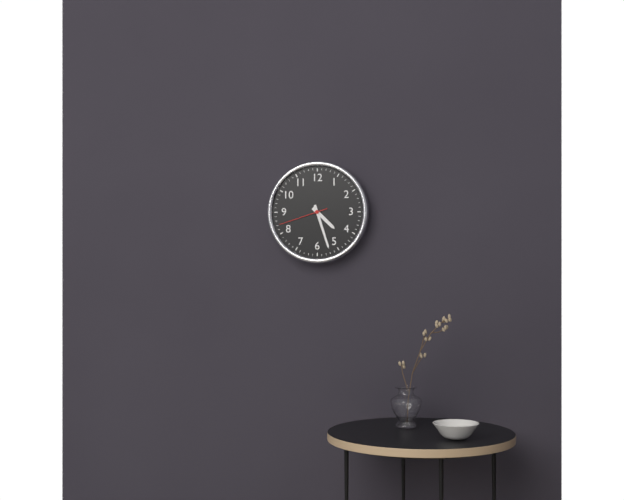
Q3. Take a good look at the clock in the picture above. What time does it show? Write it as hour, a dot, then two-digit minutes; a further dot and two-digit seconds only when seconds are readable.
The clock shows 4.27
